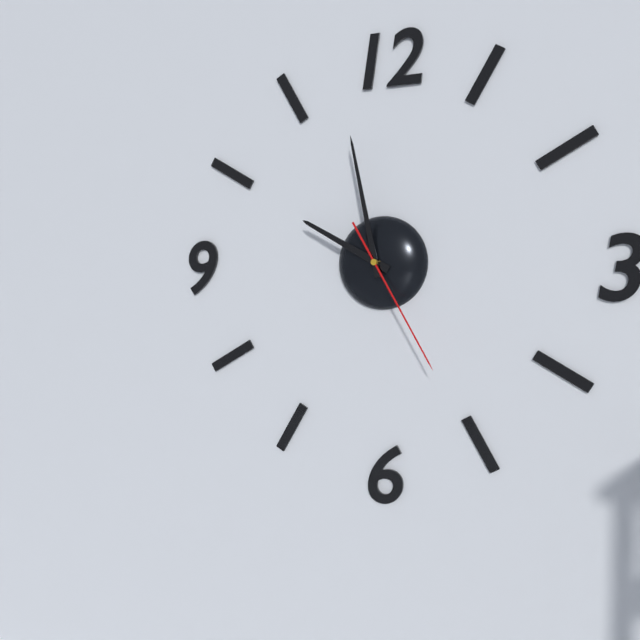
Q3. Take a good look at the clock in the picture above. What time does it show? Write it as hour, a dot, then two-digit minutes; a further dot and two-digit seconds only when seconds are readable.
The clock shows 9.58.25
